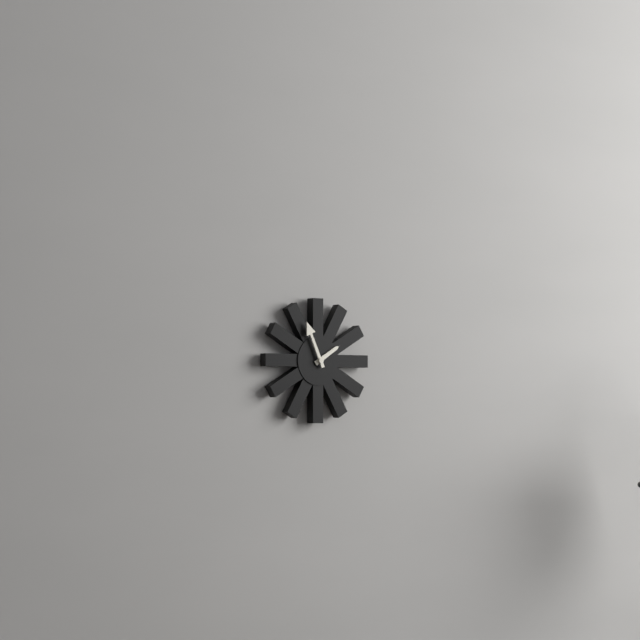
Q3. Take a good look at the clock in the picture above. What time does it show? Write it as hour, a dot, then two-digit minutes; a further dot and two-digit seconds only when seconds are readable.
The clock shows 1.56
